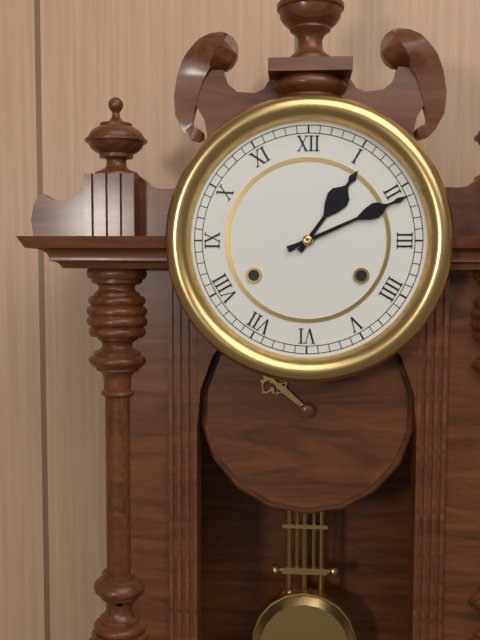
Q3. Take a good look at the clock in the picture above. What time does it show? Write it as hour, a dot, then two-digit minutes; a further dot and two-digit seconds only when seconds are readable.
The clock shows 1.11
